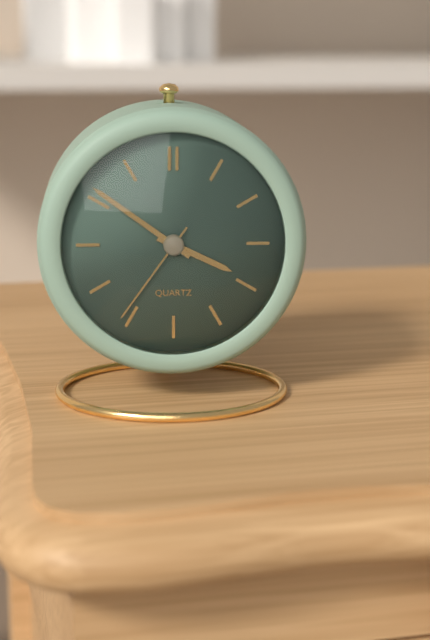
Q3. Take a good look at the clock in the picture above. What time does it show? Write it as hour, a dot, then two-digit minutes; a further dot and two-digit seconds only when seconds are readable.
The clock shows 3.51.36
